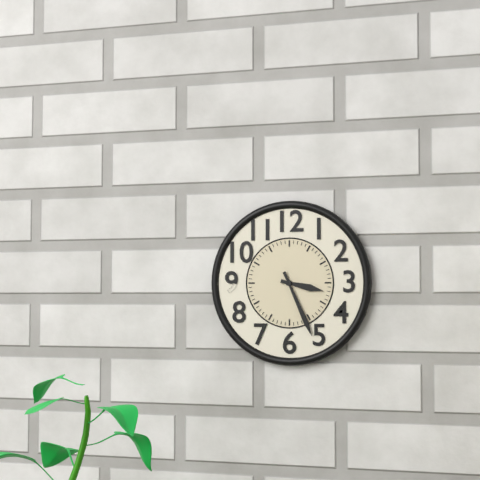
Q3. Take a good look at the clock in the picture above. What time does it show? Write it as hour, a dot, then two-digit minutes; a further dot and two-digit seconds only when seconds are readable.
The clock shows 3.26
